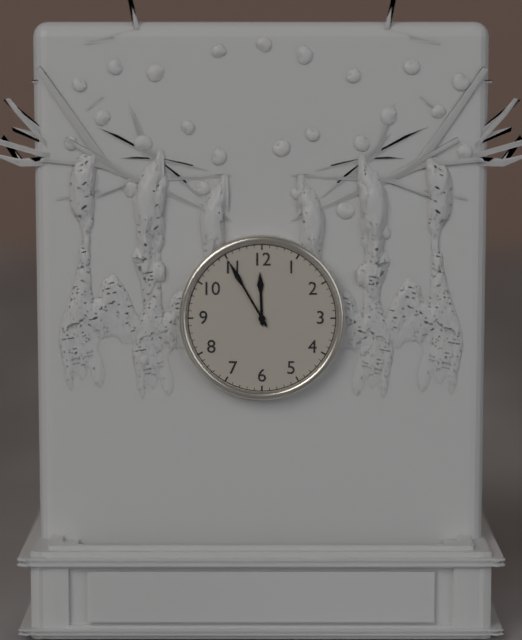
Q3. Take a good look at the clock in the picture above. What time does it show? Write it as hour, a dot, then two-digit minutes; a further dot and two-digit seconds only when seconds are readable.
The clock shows 11.55
